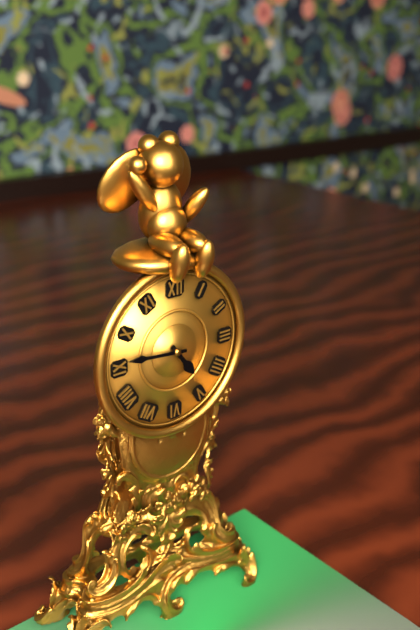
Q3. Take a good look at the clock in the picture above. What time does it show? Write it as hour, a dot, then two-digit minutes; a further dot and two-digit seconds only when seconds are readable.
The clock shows 4.46
